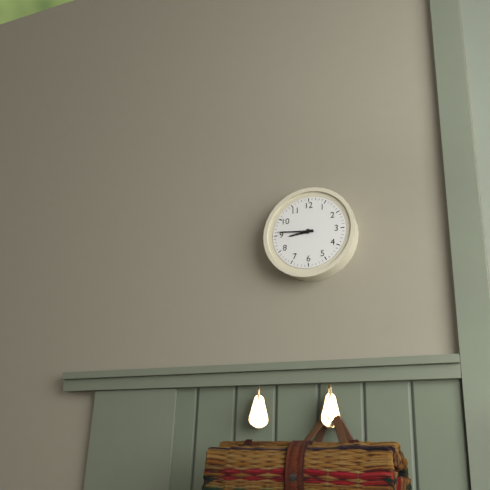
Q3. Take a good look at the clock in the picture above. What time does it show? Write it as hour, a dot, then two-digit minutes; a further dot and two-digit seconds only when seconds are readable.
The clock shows 8.46
